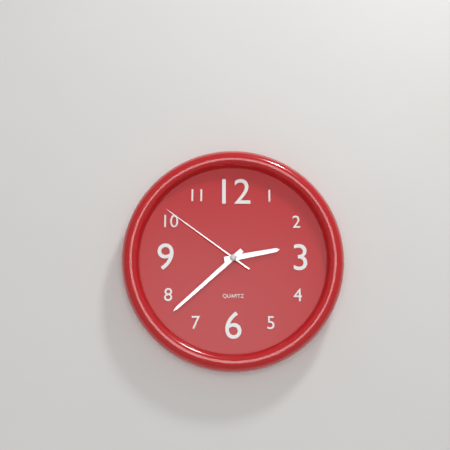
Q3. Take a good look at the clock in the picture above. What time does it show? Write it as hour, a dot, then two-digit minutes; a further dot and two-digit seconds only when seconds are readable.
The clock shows 2.38.51
